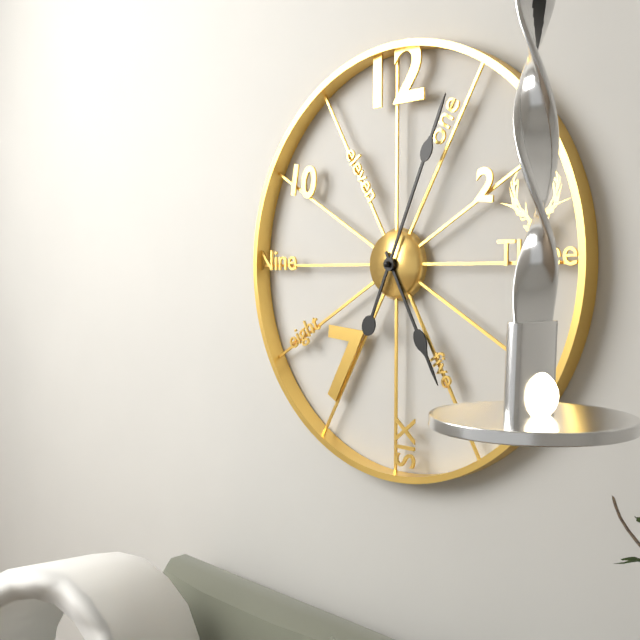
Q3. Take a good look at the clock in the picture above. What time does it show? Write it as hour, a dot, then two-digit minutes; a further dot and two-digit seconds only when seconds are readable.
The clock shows 5.04
